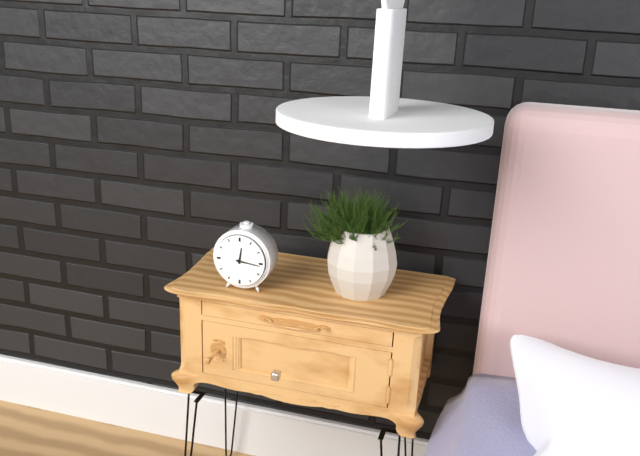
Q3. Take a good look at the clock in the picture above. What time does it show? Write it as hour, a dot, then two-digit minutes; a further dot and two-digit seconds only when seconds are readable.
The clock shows 12.16
